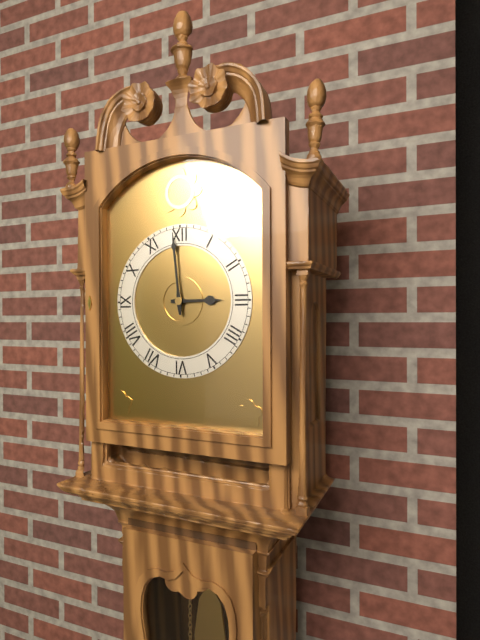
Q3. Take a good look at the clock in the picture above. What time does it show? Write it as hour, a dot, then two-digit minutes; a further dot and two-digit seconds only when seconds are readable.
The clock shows 2.59
